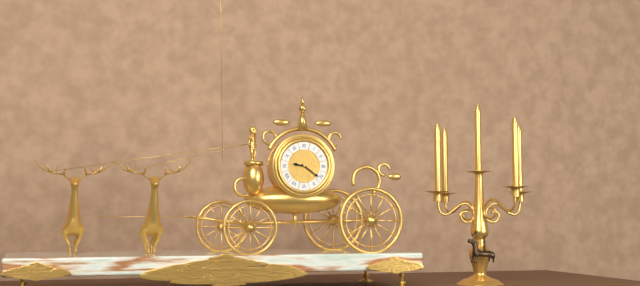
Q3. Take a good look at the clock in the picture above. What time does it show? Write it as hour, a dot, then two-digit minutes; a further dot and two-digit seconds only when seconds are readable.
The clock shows 9.21
